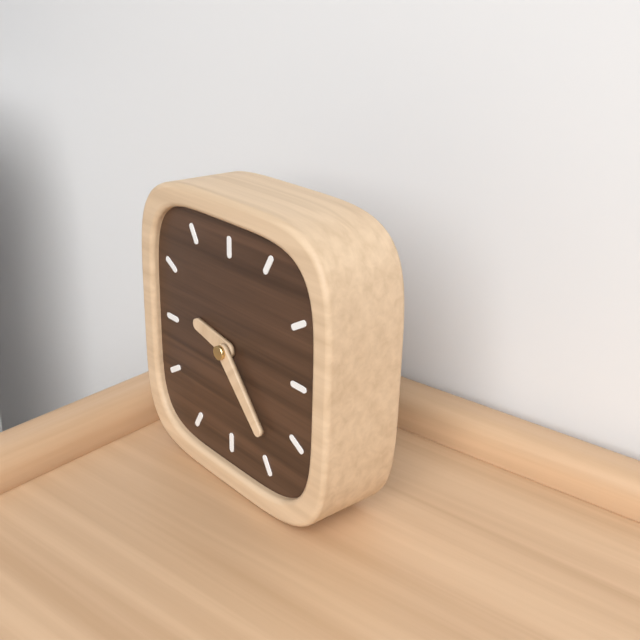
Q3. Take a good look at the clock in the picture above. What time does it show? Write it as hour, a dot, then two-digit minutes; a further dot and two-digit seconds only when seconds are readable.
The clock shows 9.23
